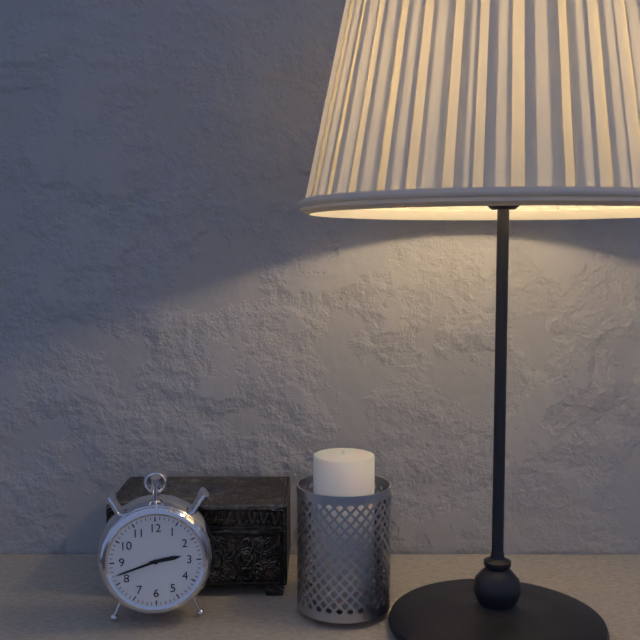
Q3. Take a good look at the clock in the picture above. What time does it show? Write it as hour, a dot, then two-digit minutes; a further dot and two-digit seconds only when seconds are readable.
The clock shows 2.42
